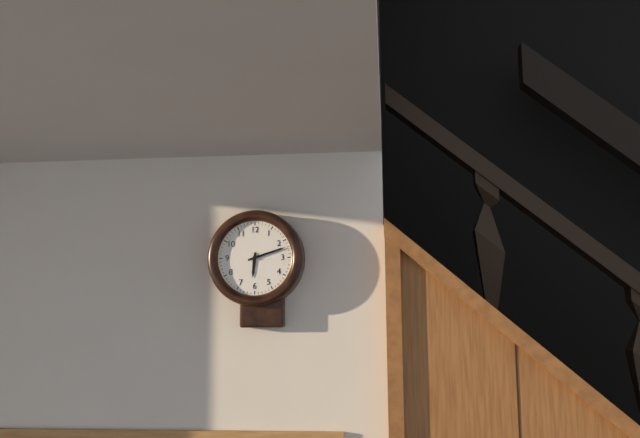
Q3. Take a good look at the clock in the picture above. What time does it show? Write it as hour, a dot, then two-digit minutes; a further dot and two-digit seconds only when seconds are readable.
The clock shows 6.12
